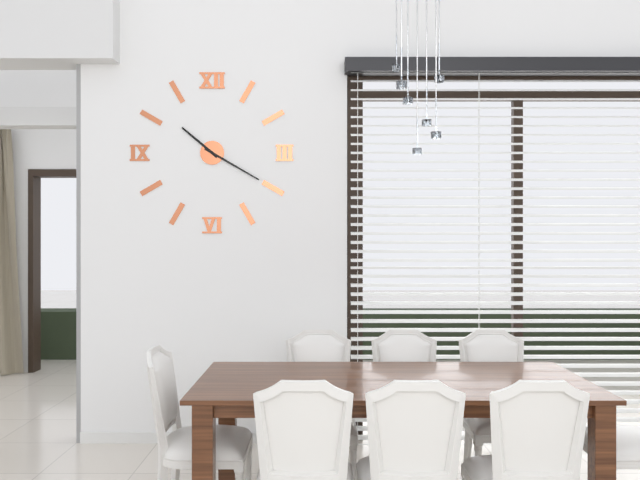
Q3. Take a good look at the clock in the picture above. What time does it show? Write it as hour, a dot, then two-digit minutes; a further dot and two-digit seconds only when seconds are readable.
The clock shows 10.20
